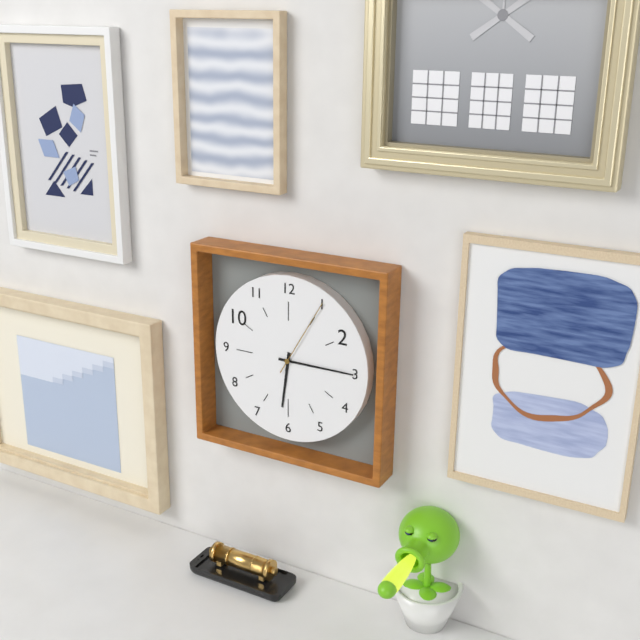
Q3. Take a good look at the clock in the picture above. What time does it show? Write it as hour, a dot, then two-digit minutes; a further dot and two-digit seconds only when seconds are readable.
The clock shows 6.15.05
